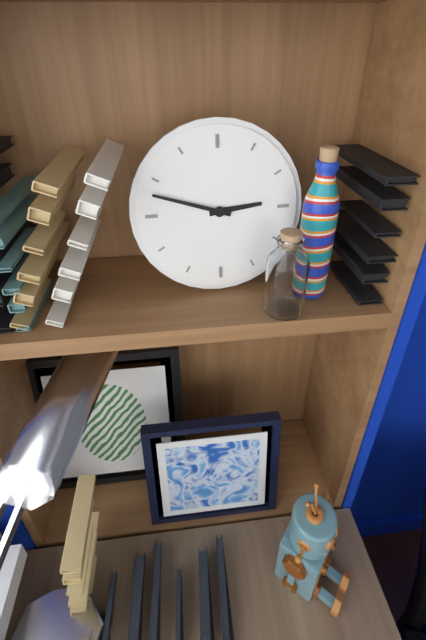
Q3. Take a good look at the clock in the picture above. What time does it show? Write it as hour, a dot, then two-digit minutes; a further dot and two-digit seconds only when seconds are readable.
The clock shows 2.48
